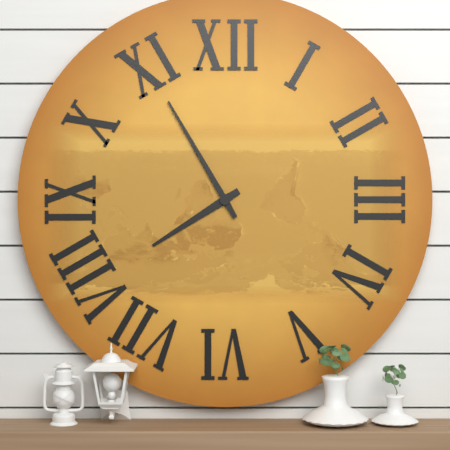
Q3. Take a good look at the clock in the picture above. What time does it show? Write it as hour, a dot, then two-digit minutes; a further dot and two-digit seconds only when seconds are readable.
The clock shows 7.55
